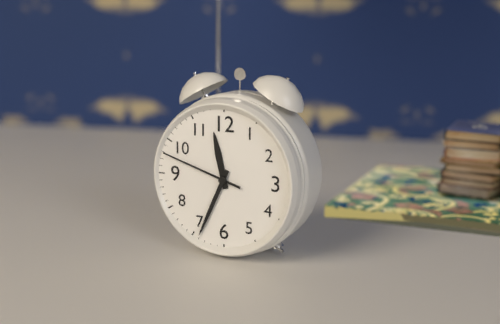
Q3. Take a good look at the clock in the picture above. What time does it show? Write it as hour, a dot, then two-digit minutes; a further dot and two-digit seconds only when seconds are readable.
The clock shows 11.34.48
